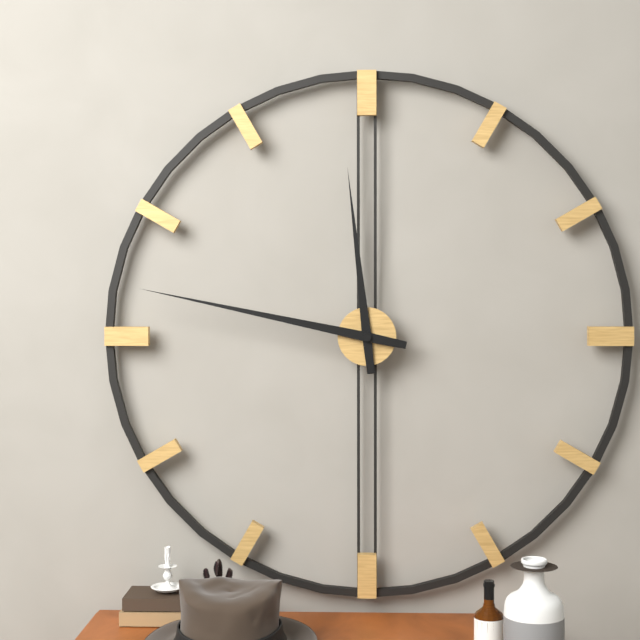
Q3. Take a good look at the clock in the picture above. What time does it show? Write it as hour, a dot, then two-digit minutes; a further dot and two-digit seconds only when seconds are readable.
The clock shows 11.47
